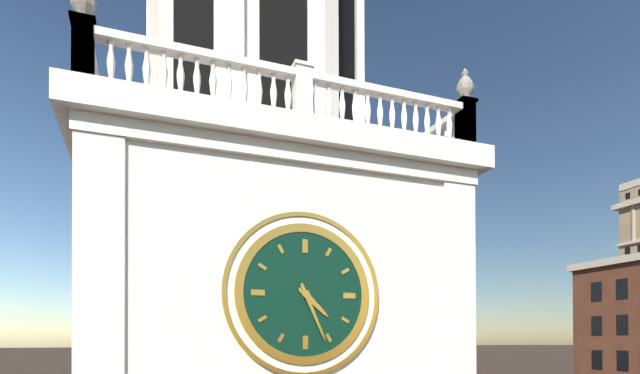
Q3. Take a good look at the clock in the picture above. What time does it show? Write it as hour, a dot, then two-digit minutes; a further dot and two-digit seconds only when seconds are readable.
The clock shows 4.26
